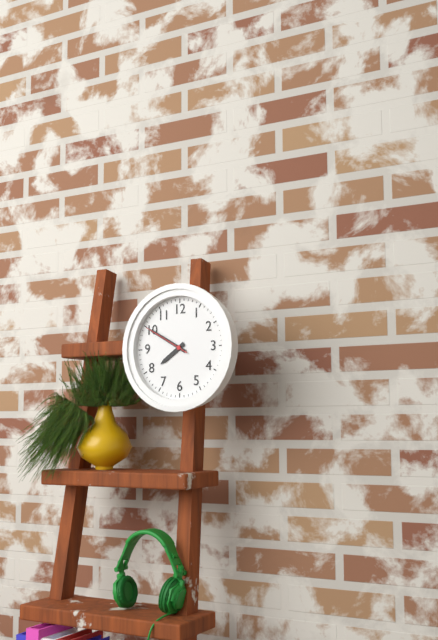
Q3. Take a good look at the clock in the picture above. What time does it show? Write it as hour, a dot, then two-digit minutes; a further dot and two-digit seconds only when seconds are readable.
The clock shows 7.50
